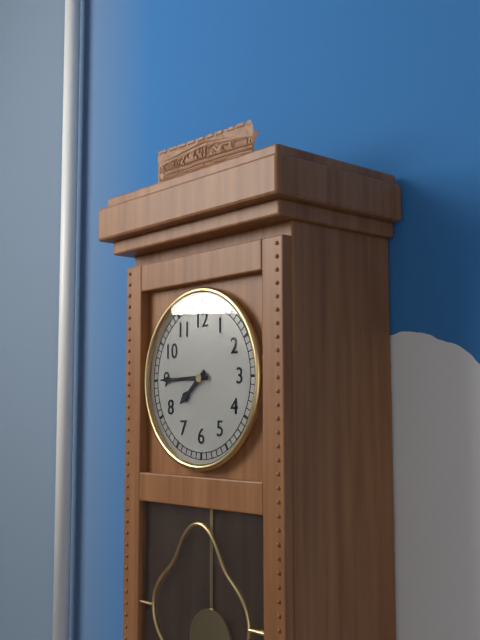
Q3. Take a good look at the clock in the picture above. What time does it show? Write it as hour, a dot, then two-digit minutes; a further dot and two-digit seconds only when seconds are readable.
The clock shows 7.45
